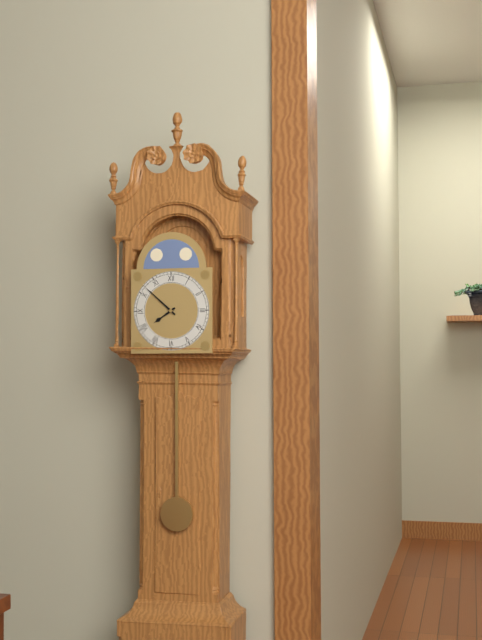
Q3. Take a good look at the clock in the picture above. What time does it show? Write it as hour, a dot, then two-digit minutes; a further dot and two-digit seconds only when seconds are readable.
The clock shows 7.52
